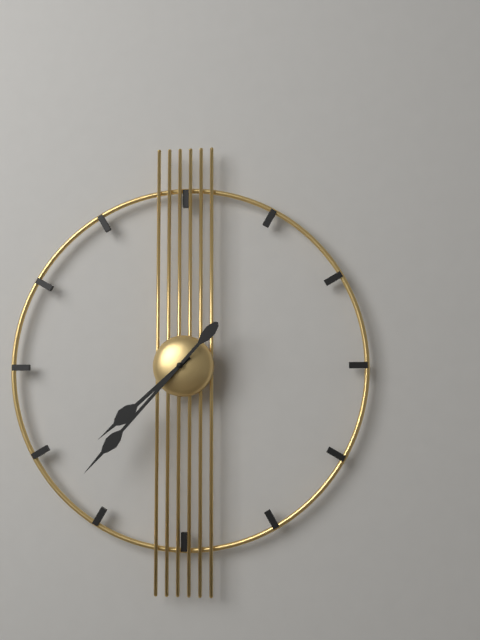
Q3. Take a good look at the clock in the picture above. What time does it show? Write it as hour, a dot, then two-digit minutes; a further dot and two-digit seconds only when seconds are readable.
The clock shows 7.37
